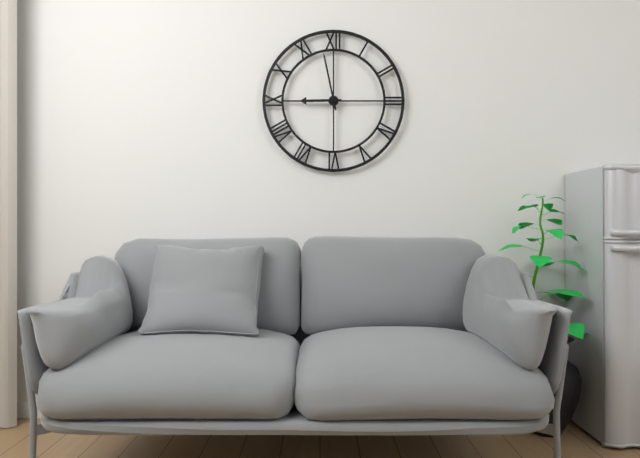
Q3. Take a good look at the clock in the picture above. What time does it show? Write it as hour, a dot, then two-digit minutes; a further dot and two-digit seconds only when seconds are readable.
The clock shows 8.58
